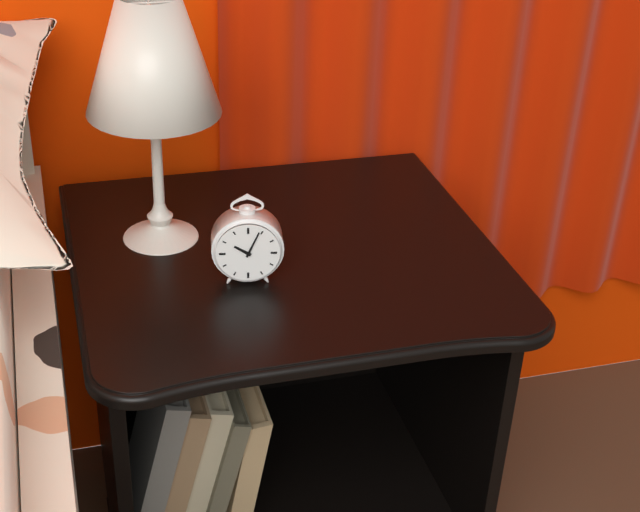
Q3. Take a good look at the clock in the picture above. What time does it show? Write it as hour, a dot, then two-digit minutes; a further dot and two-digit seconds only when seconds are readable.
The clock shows 10.04
